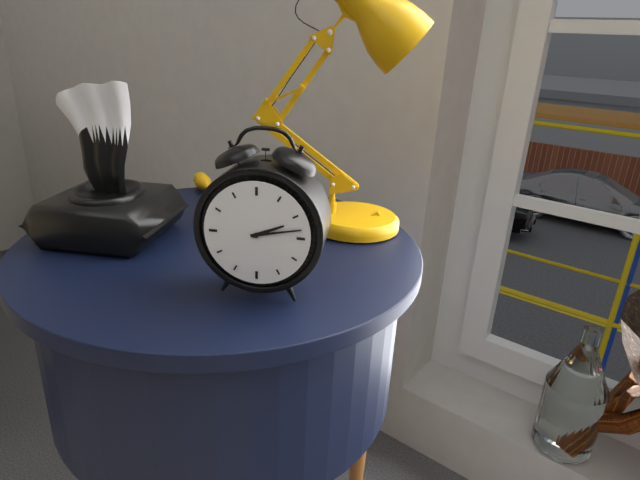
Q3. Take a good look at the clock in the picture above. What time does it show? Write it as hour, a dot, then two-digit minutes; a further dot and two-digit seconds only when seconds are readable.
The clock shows 2.13
